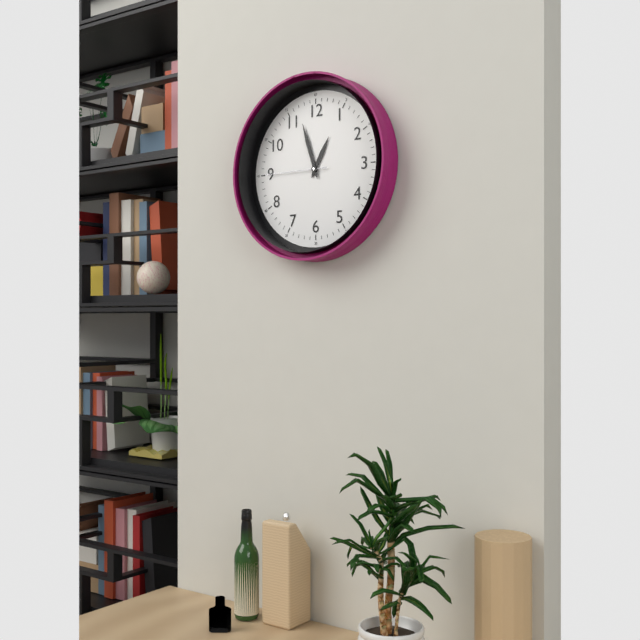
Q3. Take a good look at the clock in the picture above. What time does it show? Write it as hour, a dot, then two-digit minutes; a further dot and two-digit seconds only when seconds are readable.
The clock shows 12.57.45
